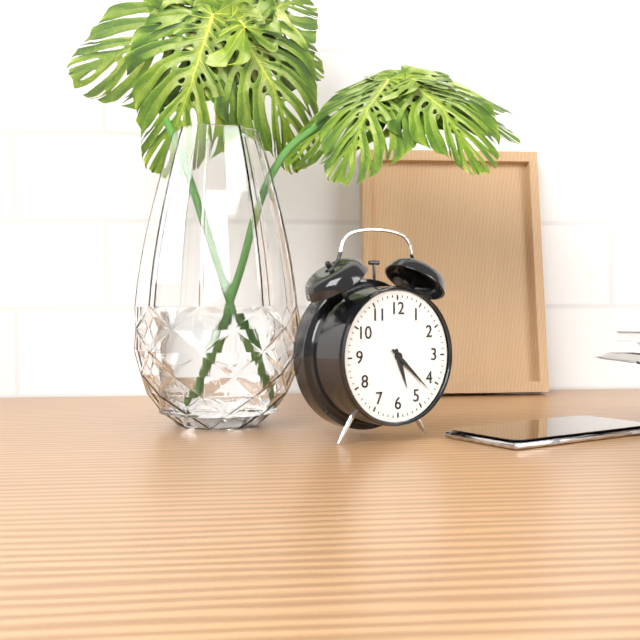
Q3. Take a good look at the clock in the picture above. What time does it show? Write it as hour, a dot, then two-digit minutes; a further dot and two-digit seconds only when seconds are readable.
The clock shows 5.22
